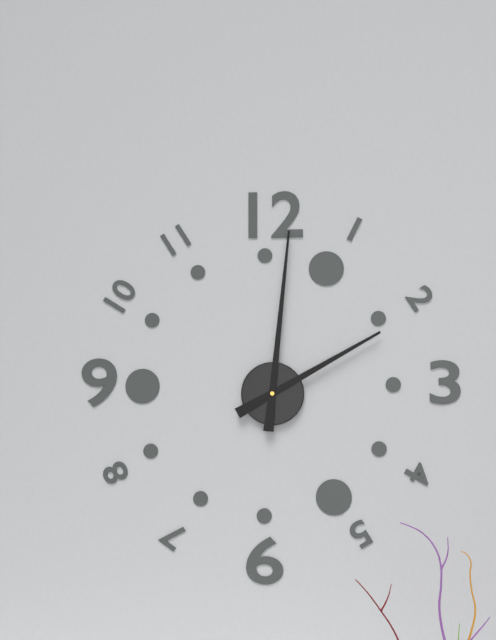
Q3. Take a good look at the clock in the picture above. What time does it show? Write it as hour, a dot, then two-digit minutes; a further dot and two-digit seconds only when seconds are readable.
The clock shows 2.01
